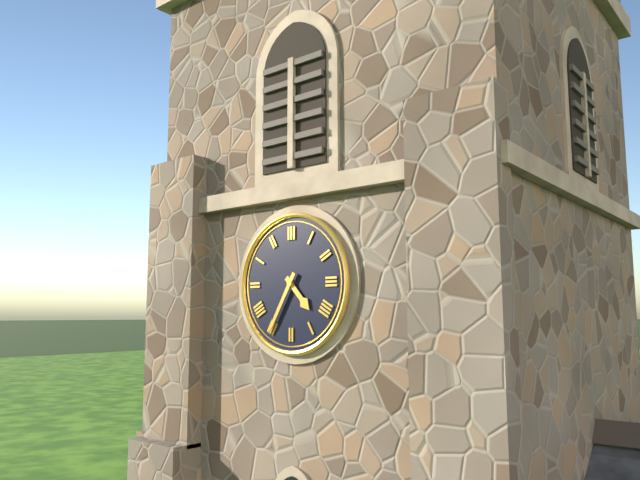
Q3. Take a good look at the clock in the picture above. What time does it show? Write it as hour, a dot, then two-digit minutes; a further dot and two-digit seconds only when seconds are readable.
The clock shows 4.35
